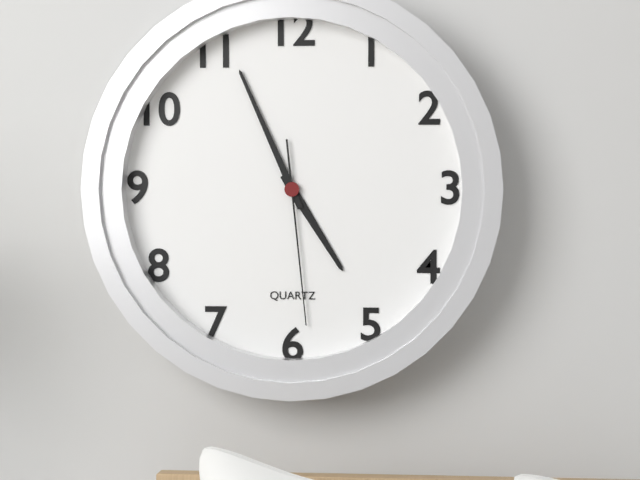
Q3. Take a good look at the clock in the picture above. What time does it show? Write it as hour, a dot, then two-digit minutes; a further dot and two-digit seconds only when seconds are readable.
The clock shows 4.56.29
